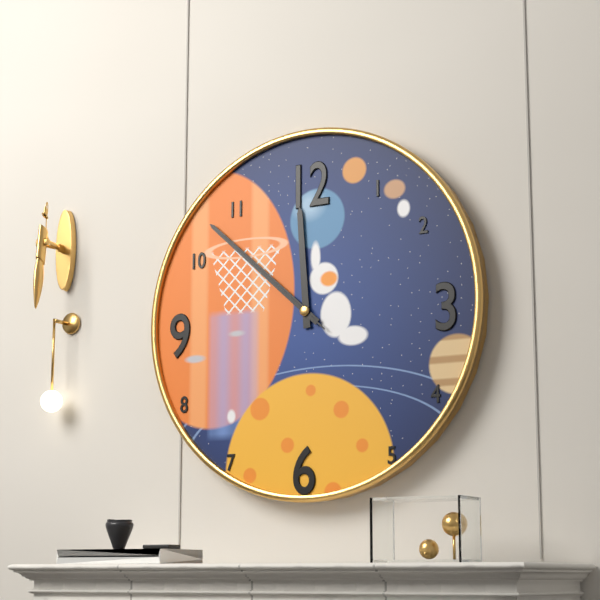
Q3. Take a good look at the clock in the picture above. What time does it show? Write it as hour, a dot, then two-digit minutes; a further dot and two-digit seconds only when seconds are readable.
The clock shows 11.52.52
